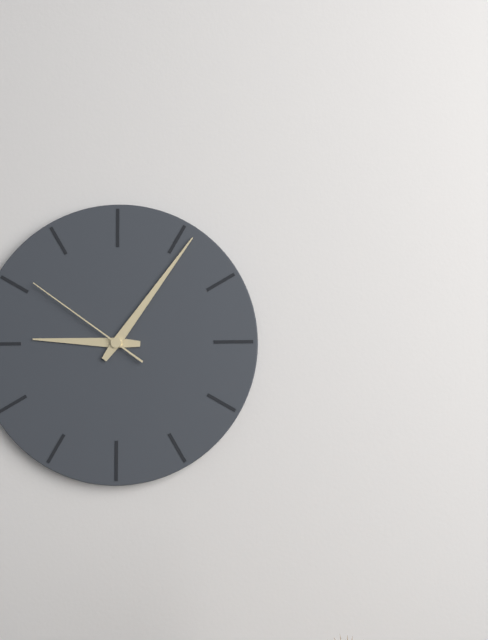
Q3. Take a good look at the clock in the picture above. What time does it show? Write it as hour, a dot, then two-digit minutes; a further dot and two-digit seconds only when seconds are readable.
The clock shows 9.06.51
